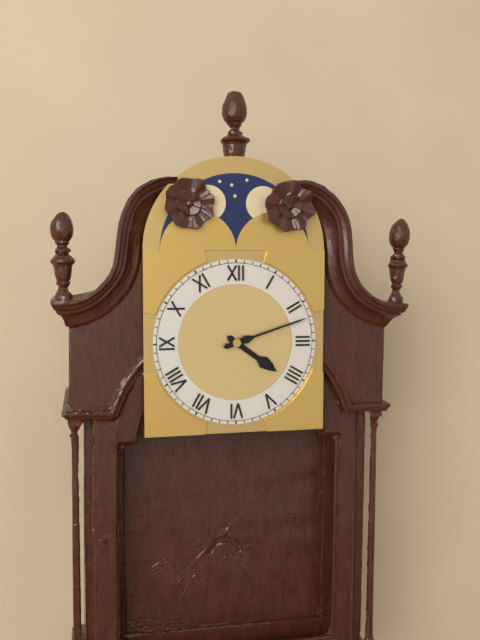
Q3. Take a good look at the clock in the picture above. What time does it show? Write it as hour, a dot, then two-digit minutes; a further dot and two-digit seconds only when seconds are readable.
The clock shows 4.12
